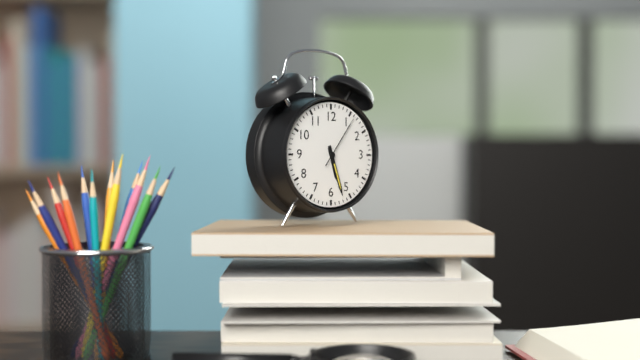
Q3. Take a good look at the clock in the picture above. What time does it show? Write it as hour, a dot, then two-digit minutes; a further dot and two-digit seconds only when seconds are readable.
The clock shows 5.27.06
